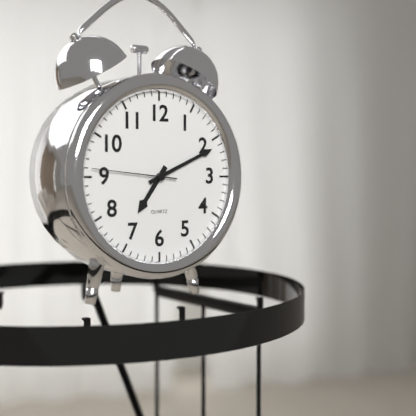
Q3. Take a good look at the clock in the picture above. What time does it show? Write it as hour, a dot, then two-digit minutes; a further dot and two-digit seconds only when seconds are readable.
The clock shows 7.11.46
